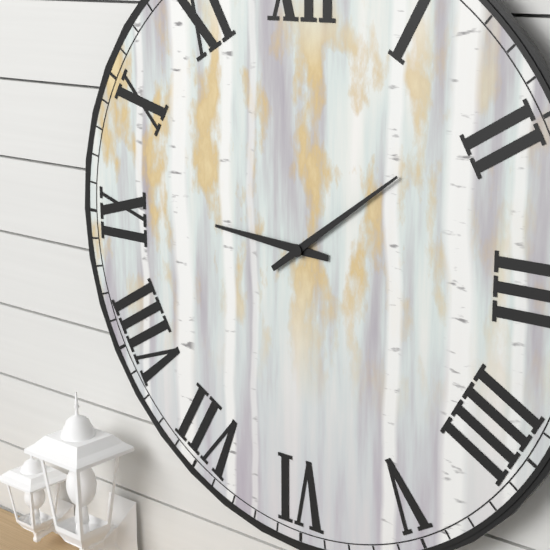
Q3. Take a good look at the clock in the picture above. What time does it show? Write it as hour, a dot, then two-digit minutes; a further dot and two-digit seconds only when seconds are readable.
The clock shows 9.09
